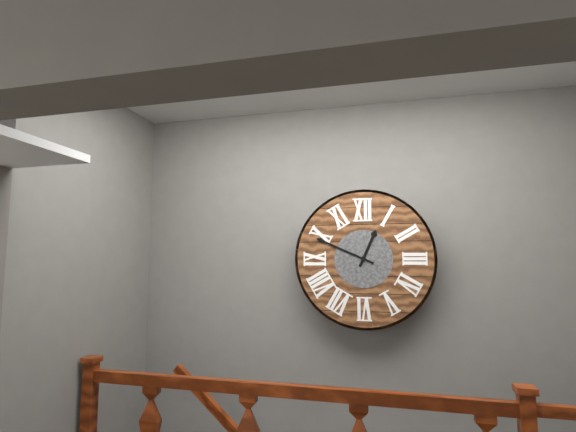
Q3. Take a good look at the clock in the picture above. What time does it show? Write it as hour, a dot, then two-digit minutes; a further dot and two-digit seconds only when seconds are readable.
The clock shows 12.49
